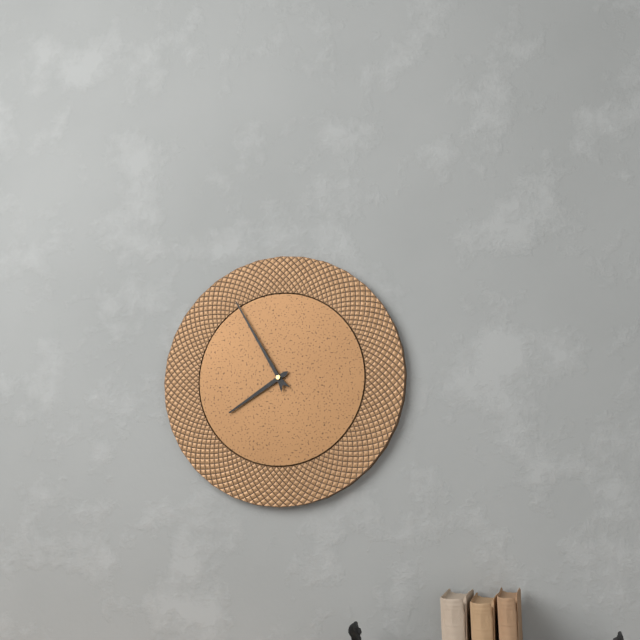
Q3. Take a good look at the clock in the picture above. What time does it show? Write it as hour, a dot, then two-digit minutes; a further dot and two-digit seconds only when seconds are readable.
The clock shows 7.55
